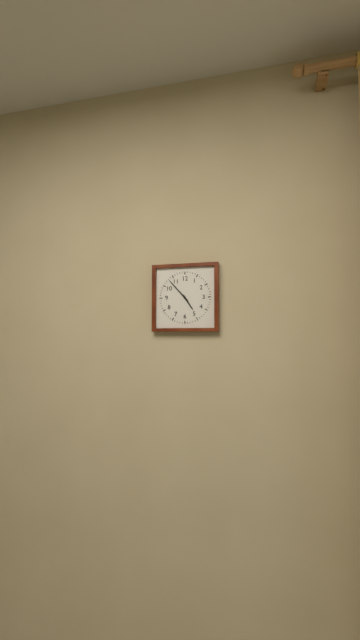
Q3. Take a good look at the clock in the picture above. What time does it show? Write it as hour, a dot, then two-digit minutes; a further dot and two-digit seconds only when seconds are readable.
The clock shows 4.53
